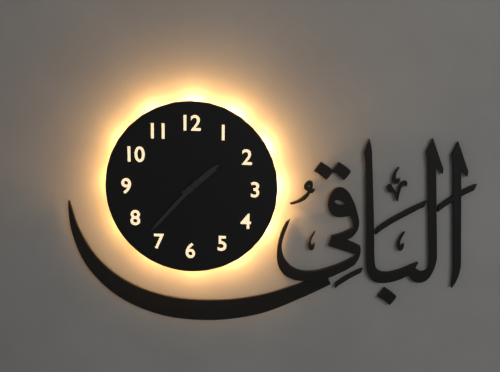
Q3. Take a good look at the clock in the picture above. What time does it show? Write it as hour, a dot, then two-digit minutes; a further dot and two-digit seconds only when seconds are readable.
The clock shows 1.37
